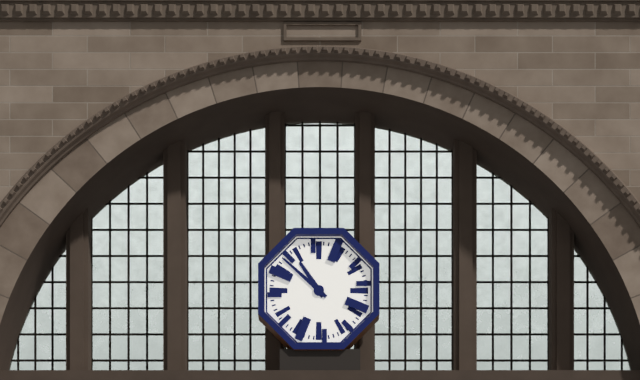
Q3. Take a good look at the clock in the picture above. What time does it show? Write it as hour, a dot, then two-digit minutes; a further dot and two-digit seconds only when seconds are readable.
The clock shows 10.52
